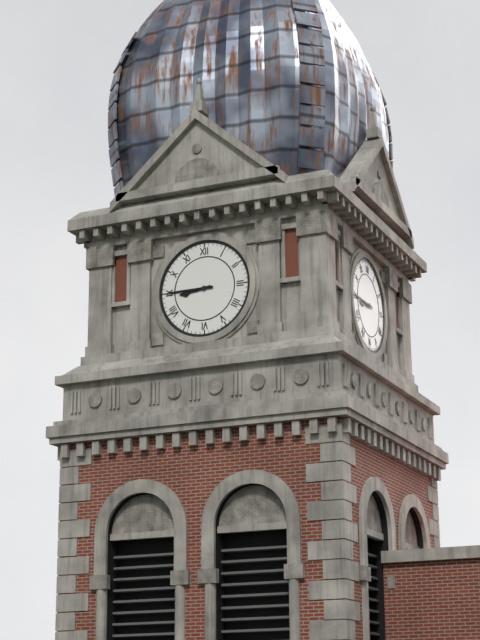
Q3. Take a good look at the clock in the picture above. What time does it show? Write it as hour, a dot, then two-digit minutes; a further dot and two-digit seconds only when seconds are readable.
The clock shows 8.45
